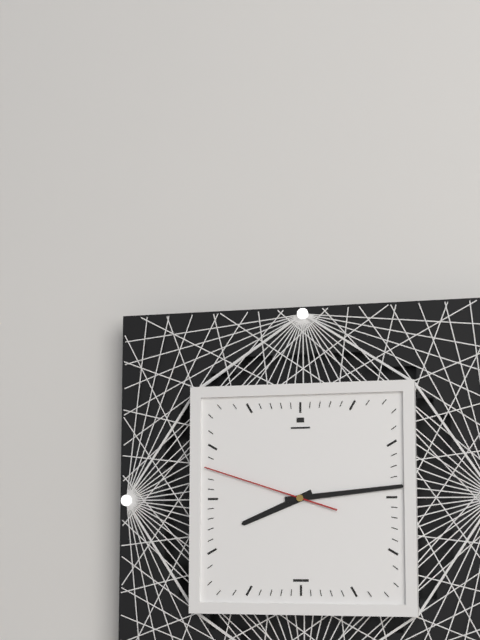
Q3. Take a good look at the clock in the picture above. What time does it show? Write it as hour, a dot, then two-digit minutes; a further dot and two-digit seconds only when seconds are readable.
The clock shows 8.14.48
